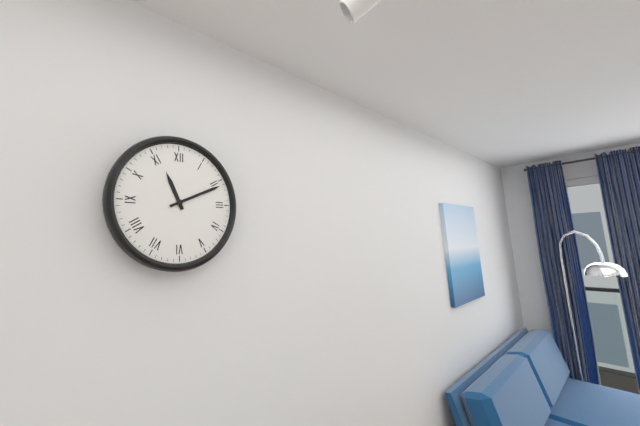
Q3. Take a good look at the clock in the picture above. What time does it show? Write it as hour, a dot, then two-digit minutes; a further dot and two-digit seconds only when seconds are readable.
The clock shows 11.11
